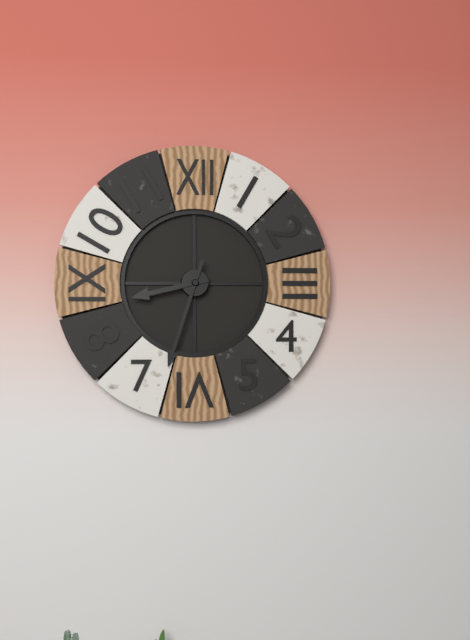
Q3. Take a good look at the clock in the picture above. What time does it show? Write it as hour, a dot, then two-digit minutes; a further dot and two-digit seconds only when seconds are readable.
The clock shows 8.33
